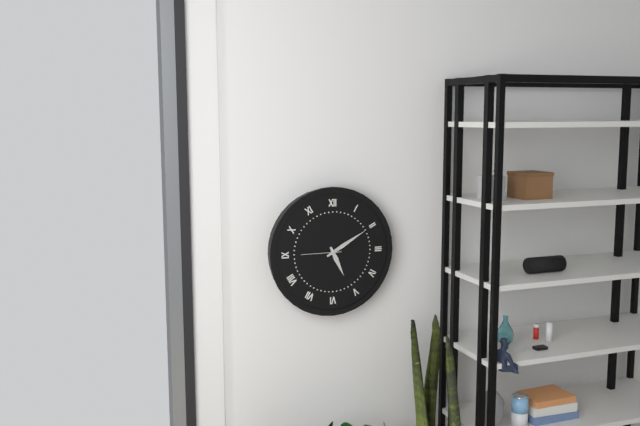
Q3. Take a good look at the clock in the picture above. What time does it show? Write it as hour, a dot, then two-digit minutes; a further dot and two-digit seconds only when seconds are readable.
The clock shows 5.10
